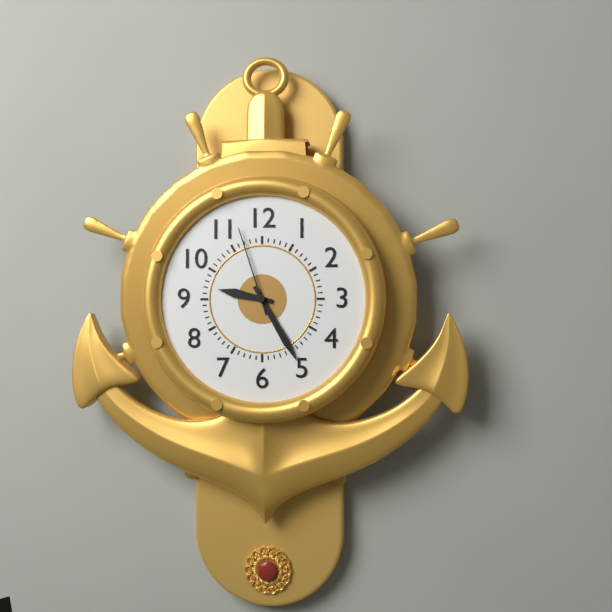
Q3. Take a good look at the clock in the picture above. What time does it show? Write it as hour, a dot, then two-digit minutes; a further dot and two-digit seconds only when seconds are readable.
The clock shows 9.25.57
